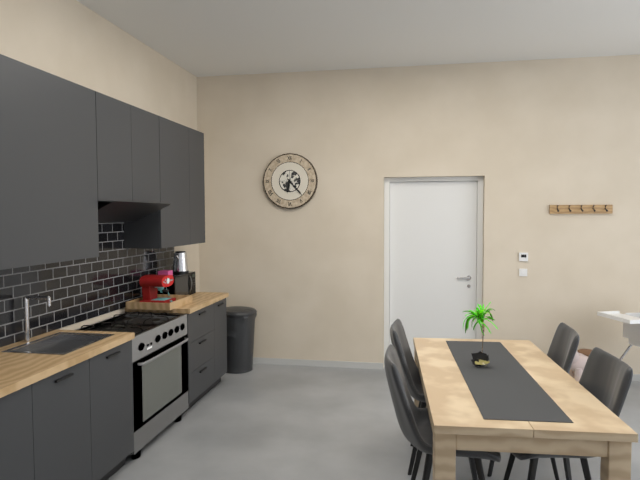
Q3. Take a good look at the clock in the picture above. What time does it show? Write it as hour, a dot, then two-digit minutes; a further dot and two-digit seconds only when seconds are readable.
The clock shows 6.23
